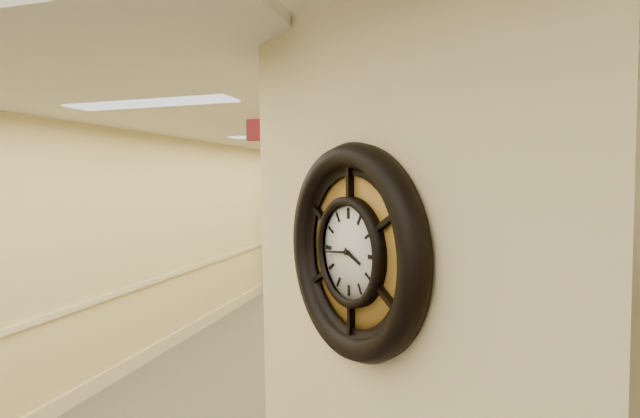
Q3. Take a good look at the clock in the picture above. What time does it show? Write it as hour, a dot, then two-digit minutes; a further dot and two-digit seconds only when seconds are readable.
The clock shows 3.44
